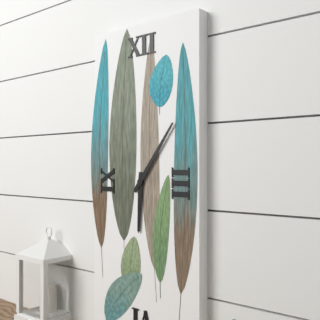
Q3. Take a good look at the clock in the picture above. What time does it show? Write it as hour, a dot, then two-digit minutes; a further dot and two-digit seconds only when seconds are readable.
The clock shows 6.06
